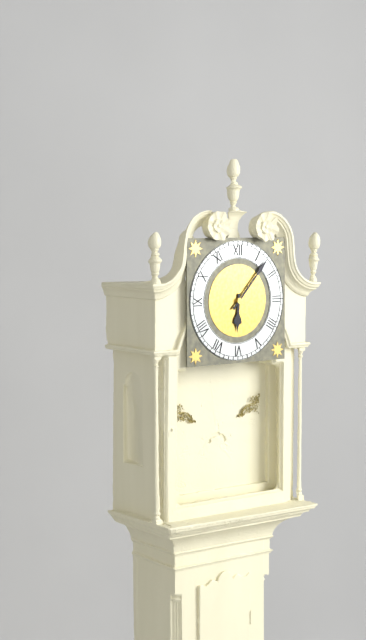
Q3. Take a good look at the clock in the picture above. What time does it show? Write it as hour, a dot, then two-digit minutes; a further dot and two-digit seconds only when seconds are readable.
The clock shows 6.07
